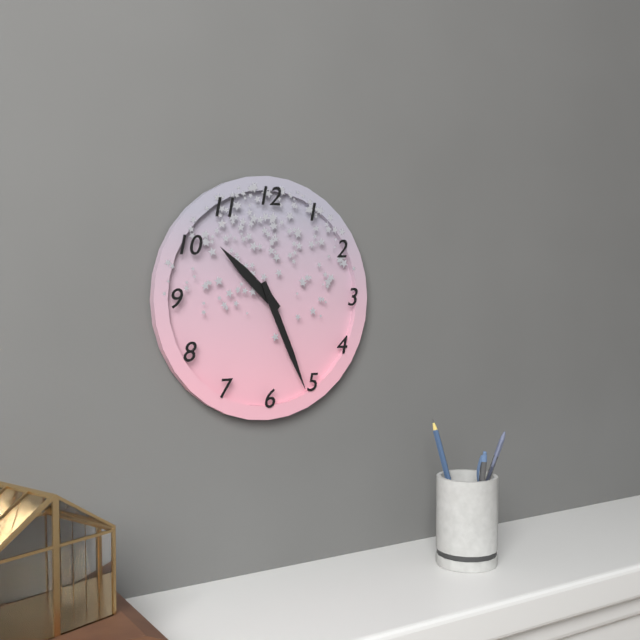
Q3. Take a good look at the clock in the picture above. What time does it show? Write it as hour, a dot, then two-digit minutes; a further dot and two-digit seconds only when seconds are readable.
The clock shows 10.26
